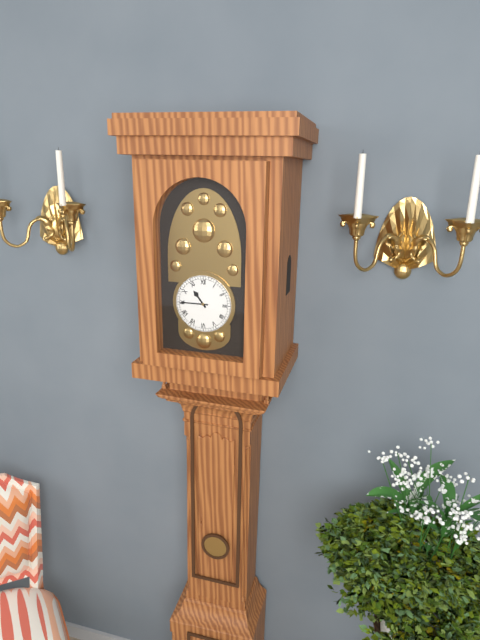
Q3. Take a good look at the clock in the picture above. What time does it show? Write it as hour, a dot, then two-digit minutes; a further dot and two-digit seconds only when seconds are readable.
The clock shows 10.45
